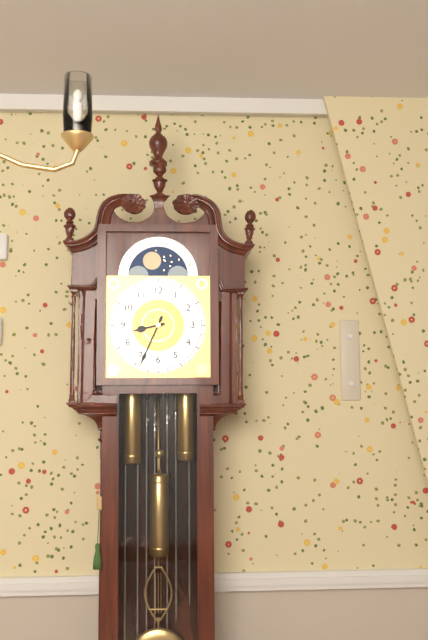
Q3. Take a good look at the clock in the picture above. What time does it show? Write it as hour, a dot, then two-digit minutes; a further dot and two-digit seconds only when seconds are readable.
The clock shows 8.34
